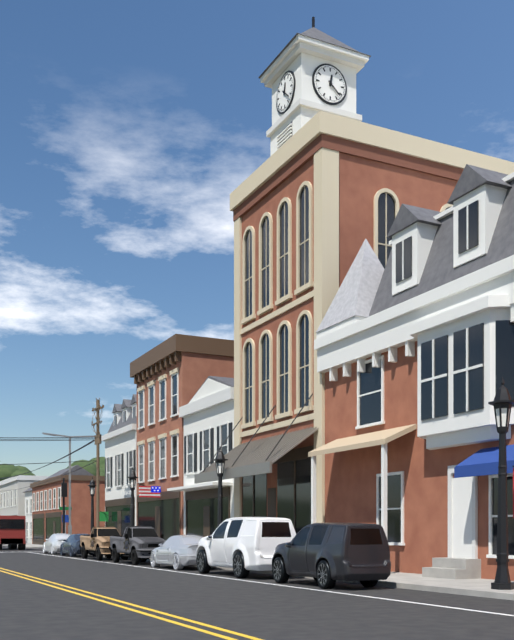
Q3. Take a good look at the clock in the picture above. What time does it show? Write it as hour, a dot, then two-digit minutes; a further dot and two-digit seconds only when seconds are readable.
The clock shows 12.22
